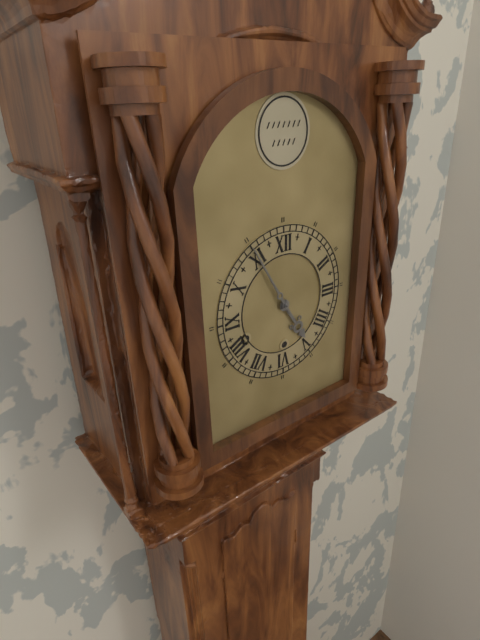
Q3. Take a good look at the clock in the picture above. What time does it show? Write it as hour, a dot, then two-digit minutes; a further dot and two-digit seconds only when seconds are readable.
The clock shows 4.55
